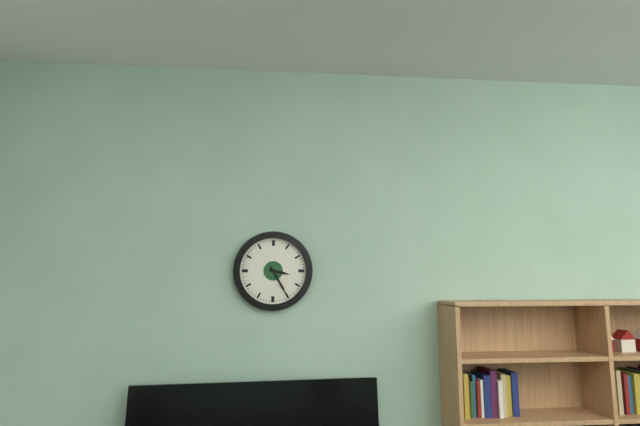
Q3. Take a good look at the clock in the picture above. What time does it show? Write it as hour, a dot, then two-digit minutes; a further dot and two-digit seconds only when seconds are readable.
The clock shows 3.25
